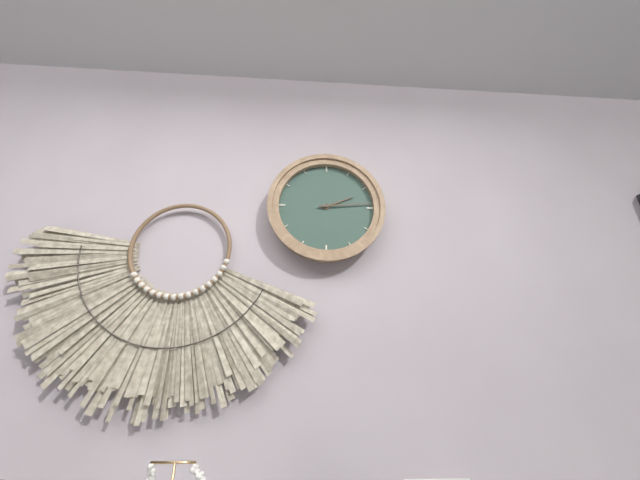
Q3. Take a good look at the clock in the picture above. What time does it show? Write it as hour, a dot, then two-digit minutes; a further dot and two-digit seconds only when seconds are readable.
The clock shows 2.14
